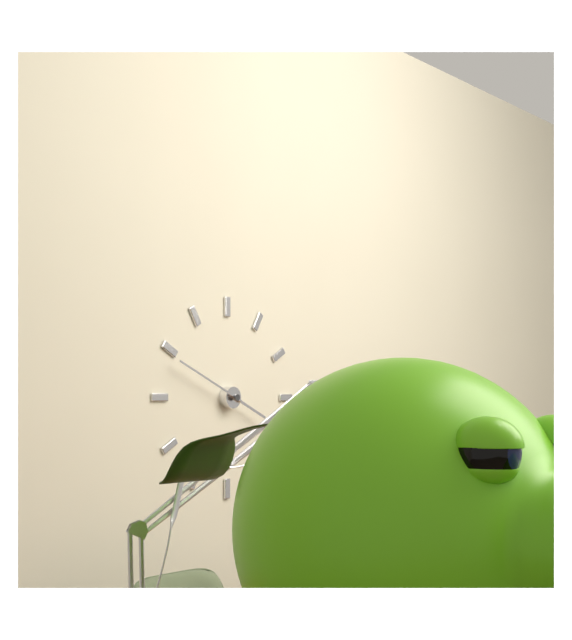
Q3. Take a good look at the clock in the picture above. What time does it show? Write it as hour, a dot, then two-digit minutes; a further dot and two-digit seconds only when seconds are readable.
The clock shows 3.49
